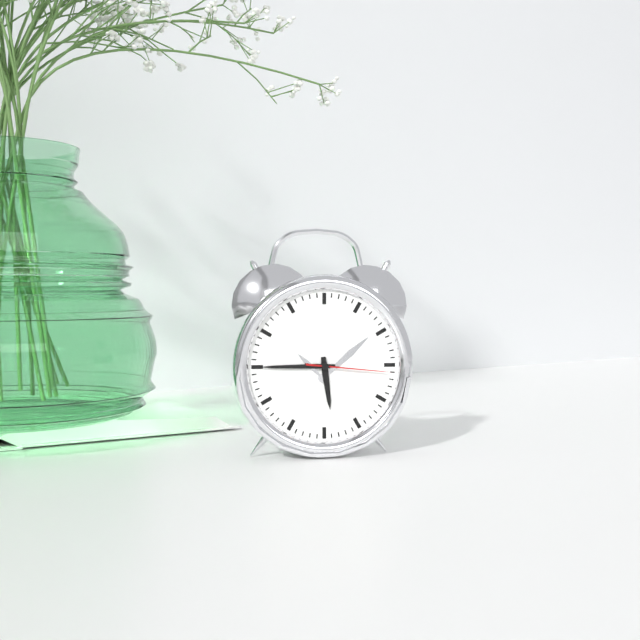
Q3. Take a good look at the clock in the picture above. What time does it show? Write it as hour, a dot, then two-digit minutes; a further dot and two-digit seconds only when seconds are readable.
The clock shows 5.45.16
